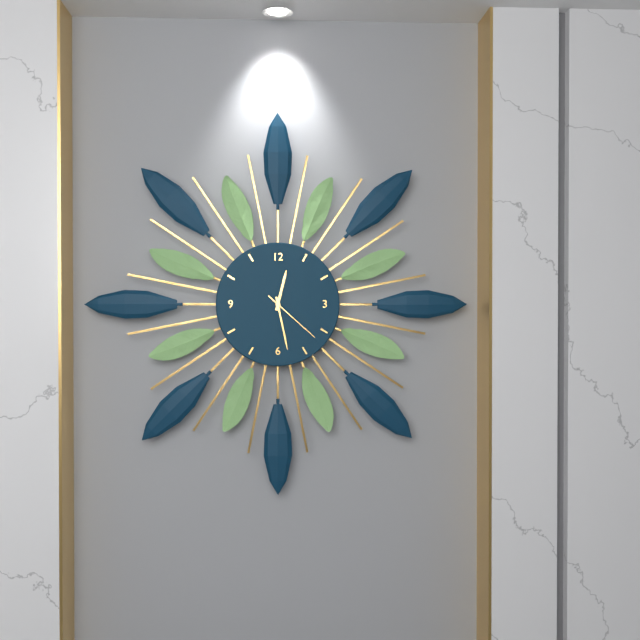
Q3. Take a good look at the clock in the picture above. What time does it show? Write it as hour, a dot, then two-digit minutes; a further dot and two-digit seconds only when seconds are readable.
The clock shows 12.28.22
